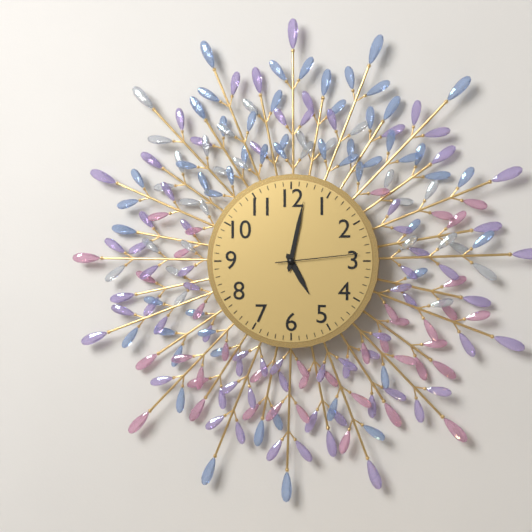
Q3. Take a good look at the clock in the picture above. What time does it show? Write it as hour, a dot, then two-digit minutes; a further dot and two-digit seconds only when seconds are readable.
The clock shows 5.02.14
